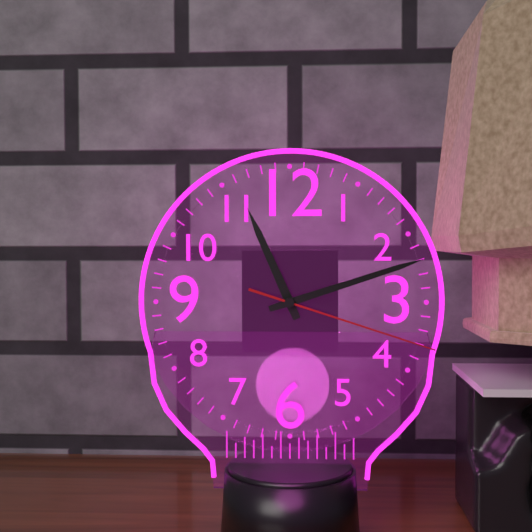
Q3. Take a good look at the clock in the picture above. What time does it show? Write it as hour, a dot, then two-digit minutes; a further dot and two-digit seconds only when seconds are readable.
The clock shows 11.12.18
